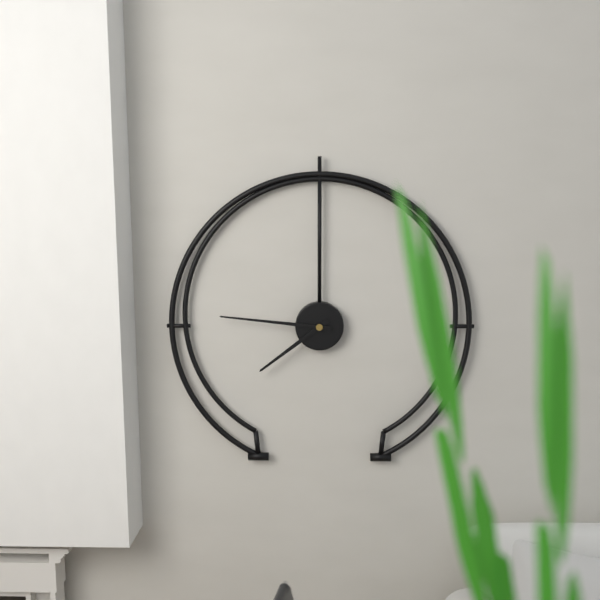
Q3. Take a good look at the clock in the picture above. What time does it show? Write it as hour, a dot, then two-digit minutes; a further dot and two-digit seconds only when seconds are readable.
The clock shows 7.46
